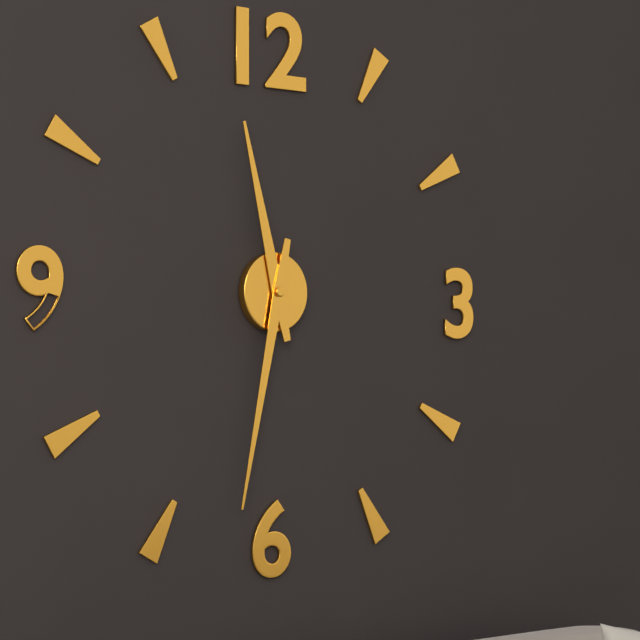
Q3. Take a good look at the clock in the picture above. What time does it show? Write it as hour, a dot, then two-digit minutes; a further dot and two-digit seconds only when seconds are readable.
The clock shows 11.32
